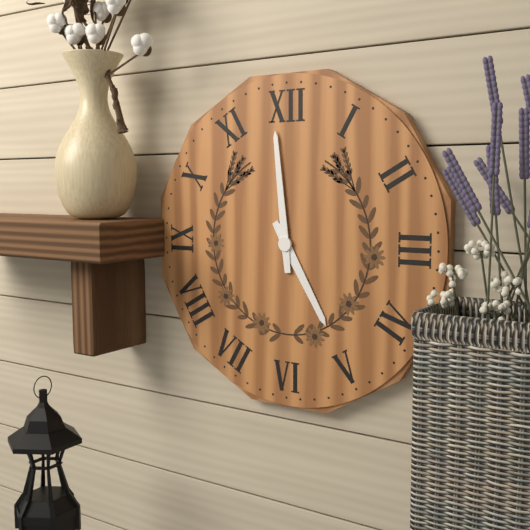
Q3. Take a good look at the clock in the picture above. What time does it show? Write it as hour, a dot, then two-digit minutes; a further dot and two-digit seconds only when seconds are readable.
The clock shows 4.59
